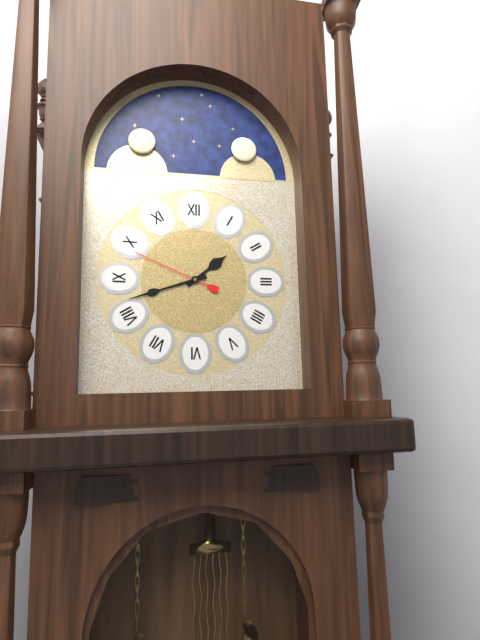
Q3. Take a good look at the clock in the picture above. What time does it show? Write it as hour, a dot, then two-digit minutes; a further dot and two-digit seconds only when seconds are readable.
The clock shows 1.42.49
